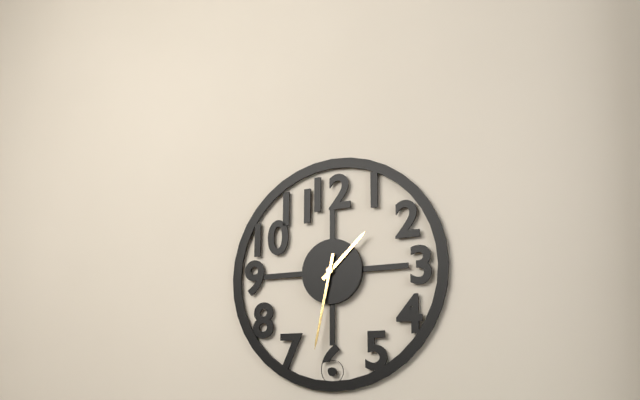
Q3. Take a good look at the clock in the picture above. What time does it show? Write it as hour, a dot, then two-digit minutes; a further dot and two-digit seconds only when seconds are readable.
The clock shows 1.32
